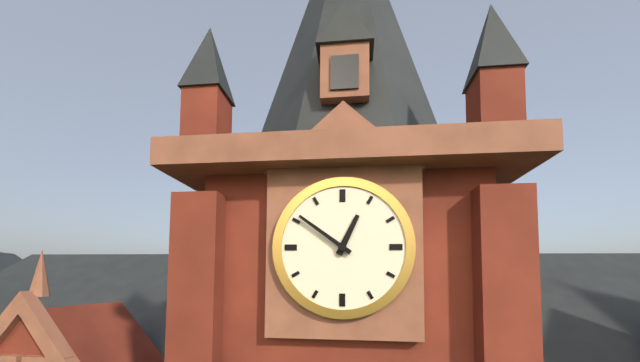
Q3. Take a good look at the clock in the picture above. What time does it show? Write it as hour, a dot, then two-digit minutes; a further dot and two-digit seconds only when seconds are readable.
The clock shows 12.51
